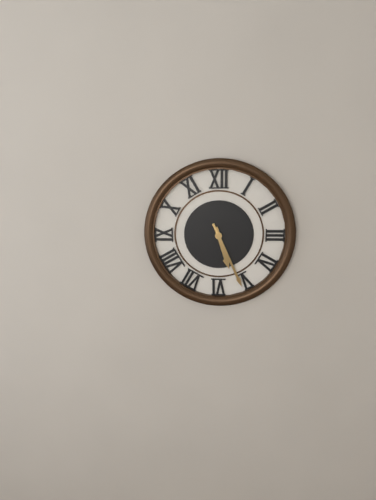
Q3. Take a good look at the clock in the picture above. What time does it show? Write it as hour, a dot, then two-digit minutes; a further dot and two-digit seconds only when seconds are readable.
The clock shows 5.26
